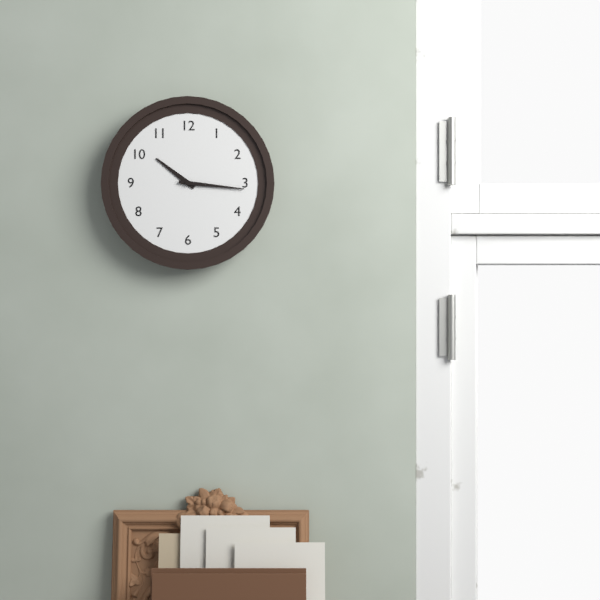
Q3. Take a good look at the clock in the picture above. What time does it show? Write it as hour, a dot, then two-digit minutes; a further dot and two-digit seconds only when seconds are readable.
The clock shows 10.16
